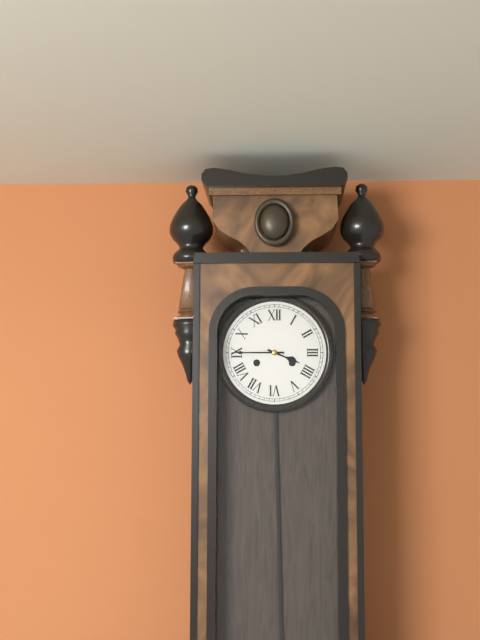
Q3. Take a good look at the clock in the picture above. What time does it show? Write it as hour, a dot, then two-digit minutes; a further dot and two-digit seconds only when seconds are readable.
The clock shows 3.45
